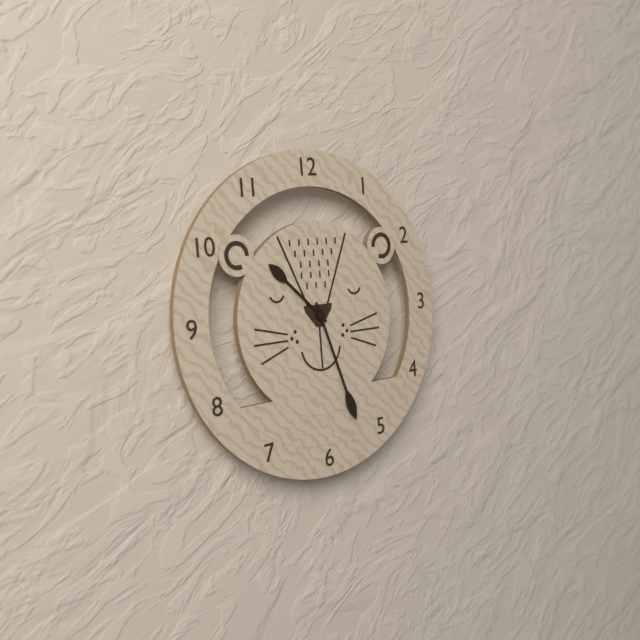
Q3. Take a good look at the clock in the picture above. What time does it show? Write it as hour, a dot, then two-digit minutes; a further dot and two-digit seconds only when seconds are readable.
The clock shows 10.27
